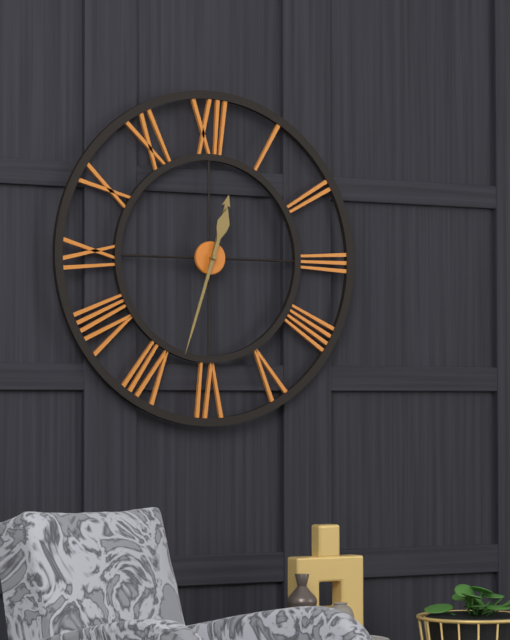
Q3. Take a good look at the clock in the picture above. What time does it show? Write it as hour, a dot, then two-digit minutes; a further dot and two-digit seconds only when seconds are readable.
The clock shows 12.33
